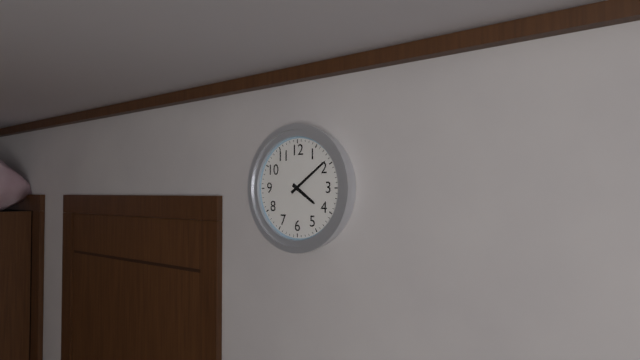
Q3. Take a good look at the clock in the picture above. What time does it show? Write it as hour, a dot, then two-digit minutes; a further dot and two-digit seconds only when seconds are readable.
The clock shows 4.09
